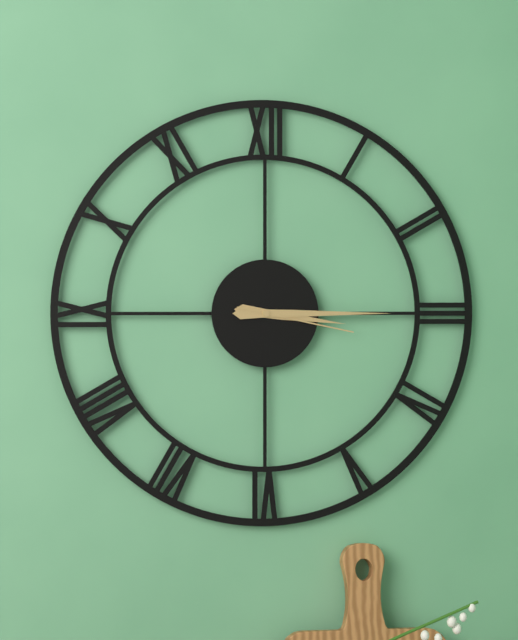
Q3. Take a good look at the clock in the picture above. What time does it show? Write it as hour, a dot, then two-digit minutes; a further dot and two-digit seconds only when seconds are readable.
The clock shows 3.15.17
